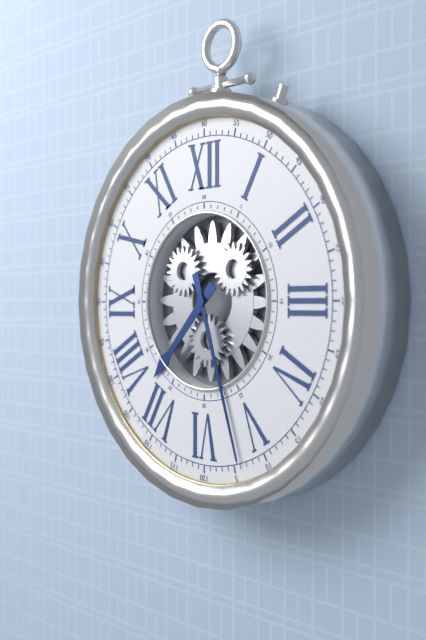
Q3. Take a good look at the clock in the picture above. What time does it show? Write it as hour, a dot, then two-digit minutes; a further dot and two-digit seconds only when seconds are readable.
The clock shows 7.27
